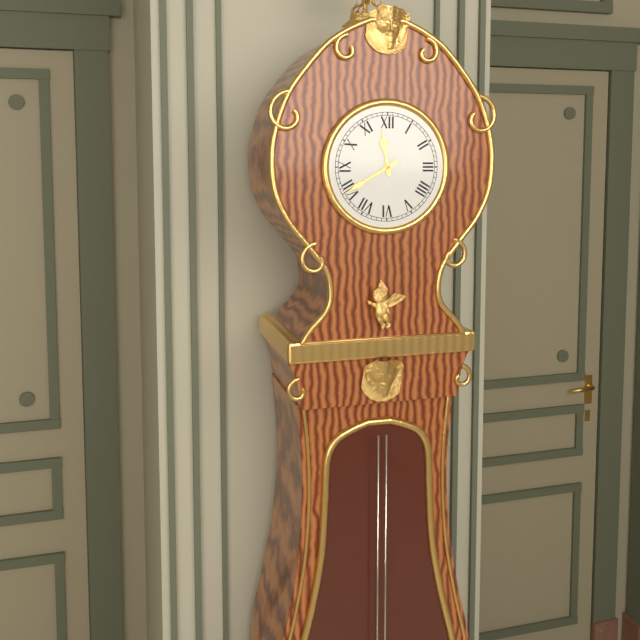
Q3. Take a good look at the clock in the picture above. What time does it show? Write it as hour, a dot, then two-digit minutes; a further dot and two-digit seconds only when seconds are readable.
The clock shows 11.40
